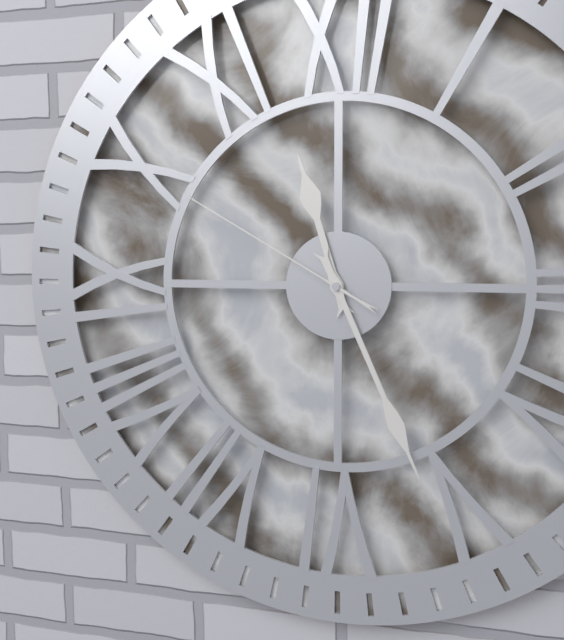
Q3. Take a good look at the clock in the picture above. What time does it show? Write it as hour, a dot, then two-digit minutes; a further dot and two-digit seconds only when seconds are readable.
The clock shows 11.26.50
